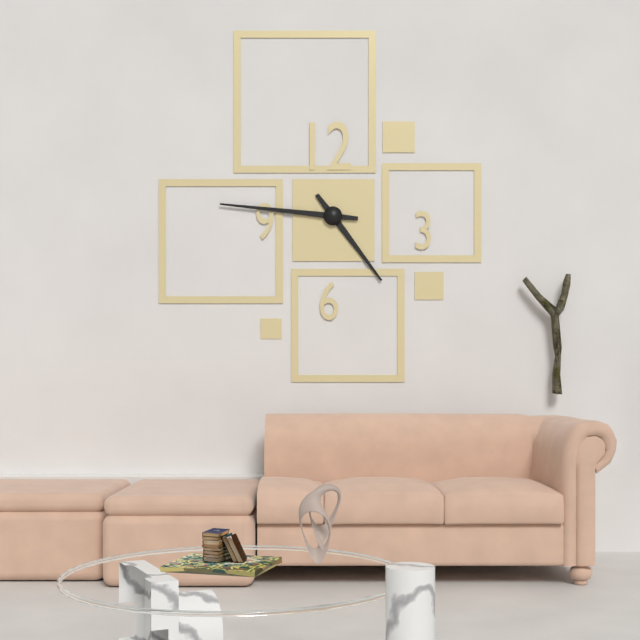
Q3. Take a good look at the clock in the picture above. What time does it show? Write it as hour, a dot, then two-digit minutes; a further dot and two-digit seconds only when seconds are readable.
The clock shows 4.46
